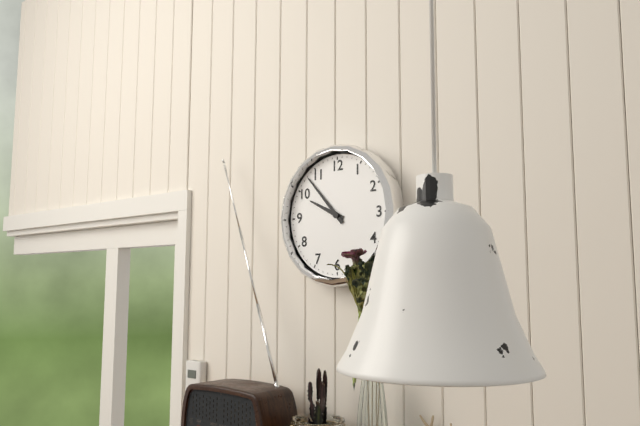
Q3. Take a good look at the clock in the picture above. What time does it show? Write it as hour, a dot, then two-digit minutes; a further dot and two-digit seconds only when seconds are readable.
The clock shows 9.53
